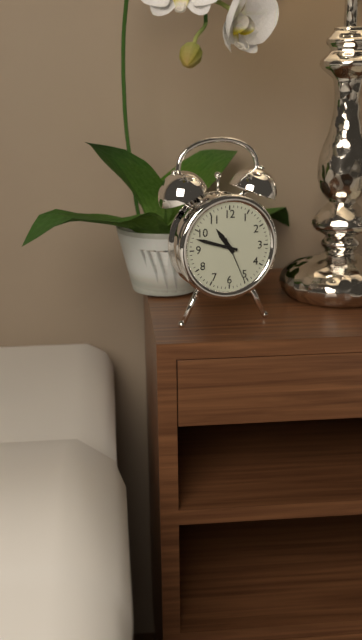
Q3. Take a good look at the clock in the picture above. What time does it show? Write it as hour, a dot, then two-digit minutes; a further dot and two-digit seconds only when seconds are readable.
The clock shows 10.48
